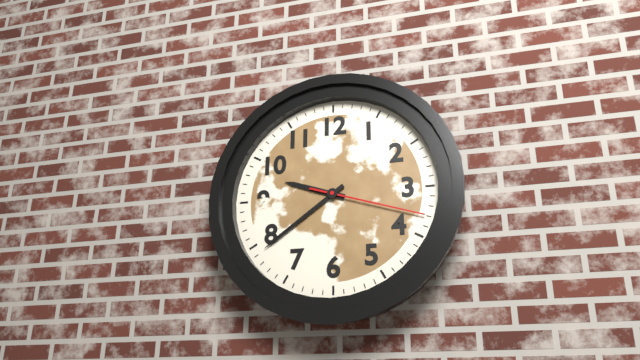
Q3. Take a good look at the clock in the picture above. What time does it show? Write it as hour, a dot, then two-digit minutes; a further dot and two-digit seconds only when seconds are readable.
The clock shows 9.39.18
